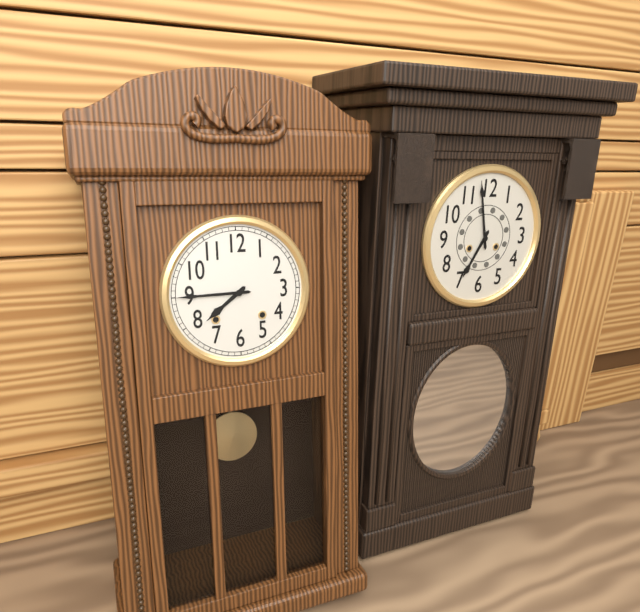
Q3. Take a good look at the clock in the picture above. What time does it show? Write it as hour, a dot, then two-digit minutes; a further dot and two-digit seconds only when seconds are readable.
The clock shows 7.45
